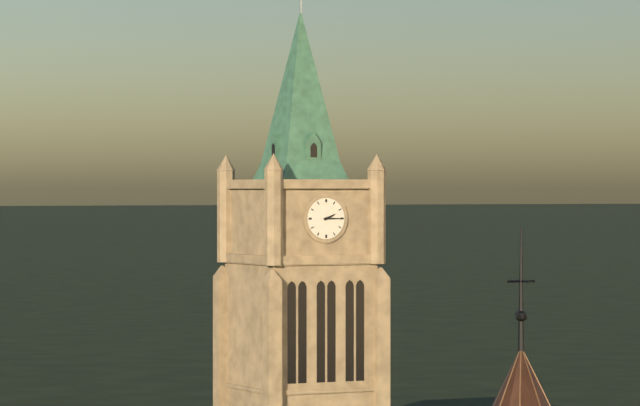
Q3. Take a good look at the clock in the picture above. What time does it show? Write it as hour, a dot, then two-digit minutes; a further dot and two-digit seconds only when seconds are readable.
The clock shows 2.15
